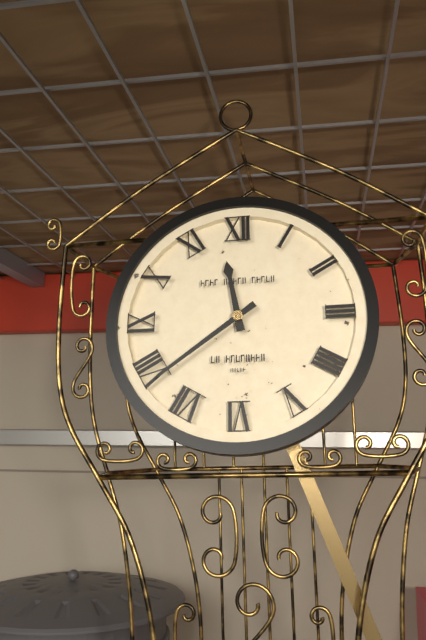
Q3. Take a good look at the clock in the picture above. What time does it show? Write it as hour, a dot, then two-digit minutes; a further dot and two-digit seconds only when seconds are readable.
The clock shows 11.39
